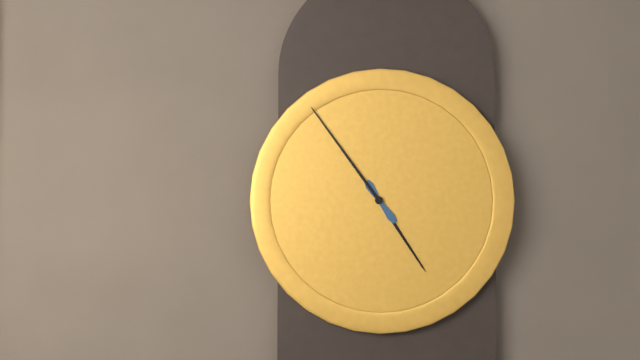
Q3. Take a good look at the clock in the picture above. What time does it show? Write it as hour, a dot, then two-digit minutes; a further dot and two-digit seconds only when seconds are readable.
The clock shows 4.54
